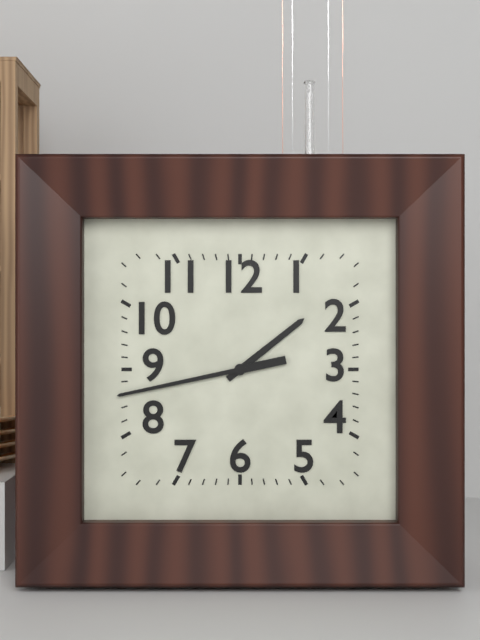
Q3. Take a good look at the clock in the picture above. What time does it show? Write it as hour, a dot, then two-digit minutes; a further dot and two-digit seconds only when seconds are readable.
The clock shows 1.43
